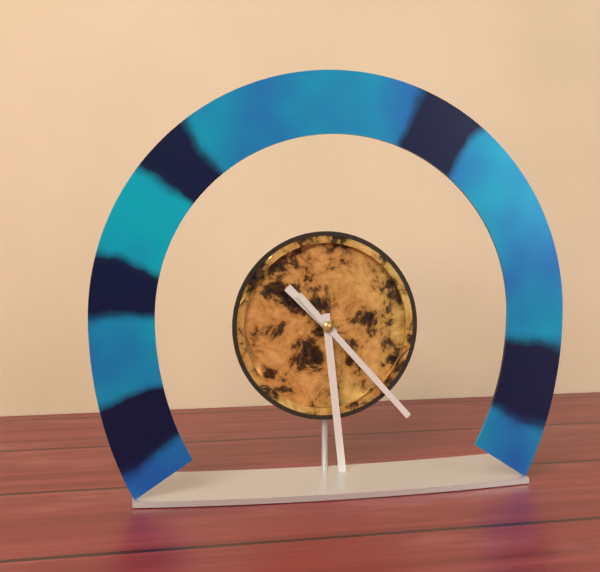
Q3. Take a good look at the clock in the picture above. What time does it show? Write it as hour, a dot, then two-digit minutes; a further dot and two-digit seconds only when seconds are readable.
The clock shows 10.29.23
